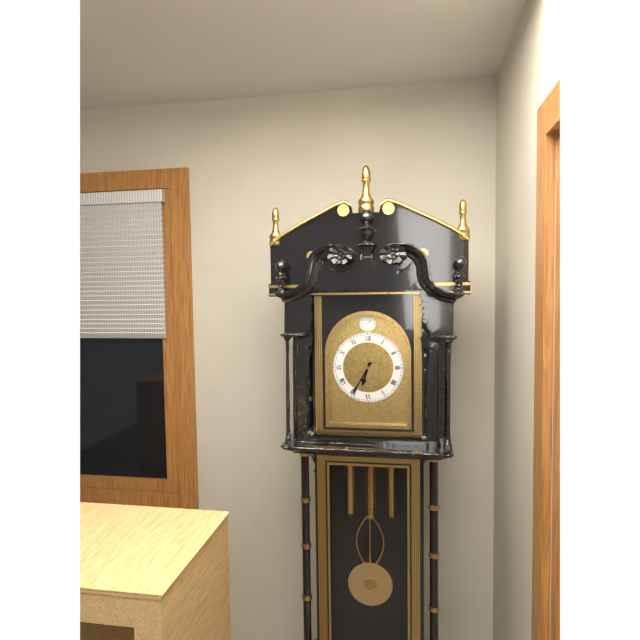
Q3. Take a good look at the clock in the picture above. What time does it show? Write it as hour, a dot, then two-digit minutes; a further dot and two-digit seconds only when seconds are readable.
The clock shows 6.35
